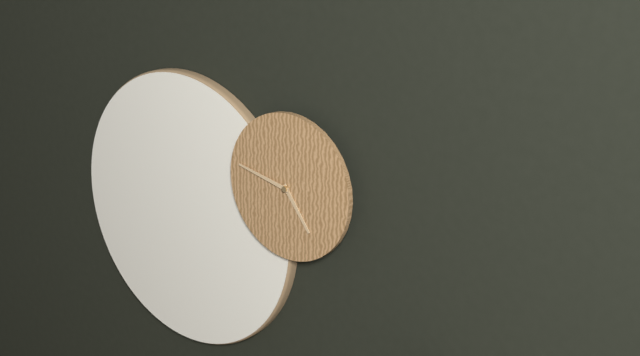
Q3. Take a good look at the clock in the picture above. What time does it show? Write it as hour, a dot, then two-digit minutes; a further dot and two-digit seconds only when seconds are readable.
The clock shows 4.47
